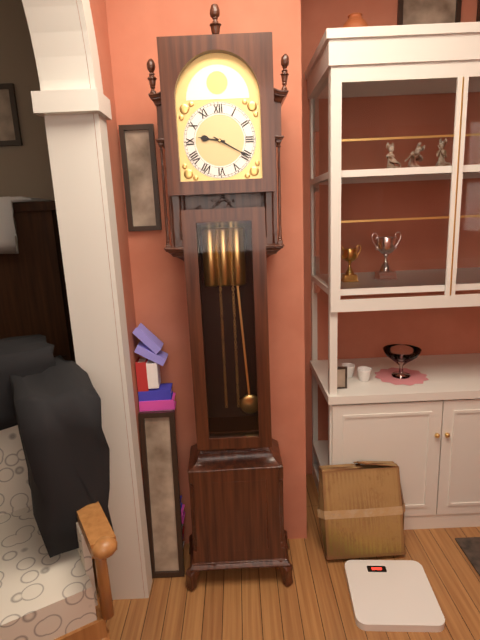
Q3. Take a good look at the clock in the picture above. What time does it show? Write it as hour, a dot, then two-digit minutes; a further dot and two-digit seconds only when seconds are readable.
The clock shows 9.20
